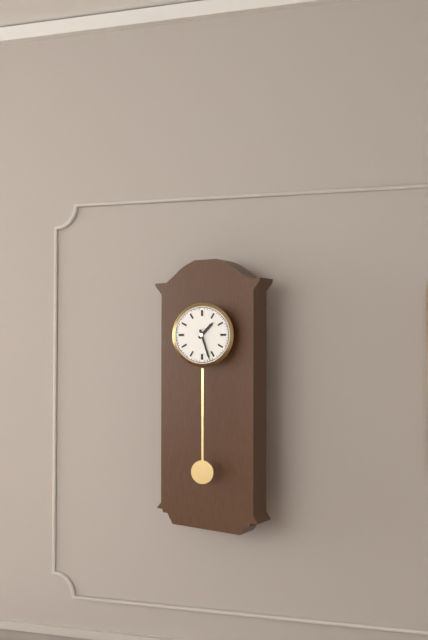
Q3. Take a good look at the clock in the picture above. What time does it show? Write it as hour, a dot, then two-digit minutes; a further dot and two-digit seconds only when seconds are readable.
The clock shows 1.27
